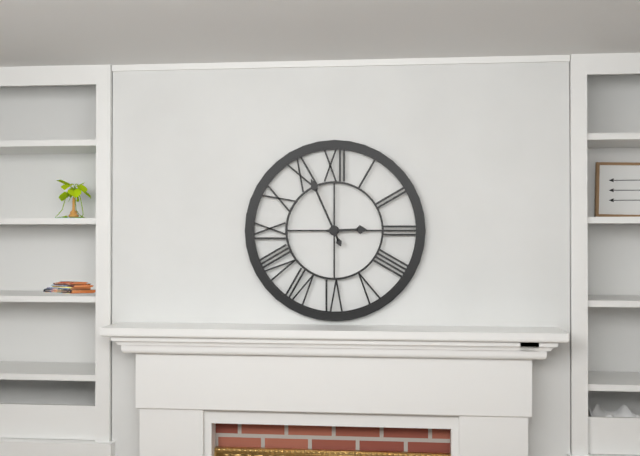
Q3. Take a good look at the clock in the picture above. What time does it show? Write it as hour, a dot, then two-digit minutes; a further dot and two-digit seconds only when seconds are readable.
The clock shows 2.56
